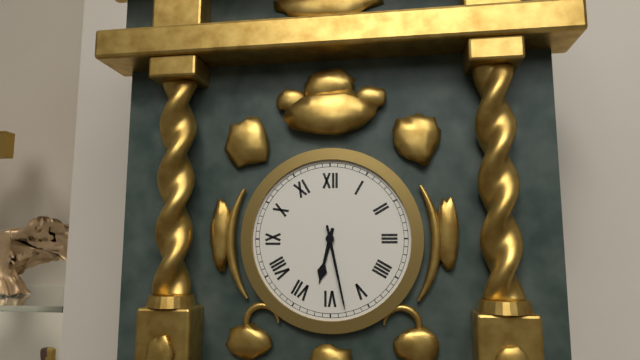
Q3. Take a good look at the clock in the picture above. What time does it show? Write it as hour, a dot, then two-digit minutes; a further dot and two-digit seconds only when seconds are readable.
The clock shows 6.28
